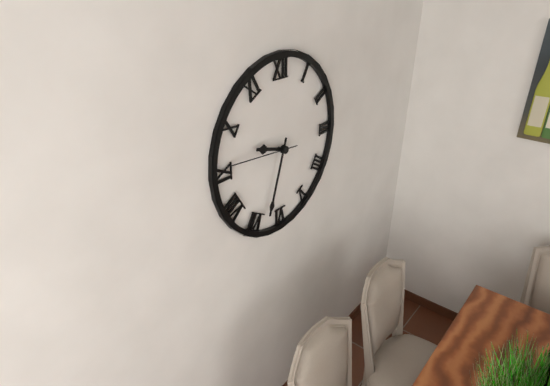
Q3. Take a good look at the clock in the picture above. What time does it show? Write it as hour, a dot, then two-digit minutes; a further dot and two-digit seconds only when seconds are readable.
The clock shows 9.33.46
